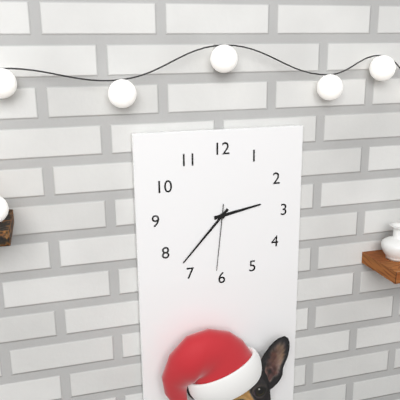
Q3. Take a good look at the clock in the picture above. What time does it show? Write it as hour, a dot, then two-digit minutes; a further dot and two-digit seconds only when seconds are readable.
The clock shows 2.37.31
